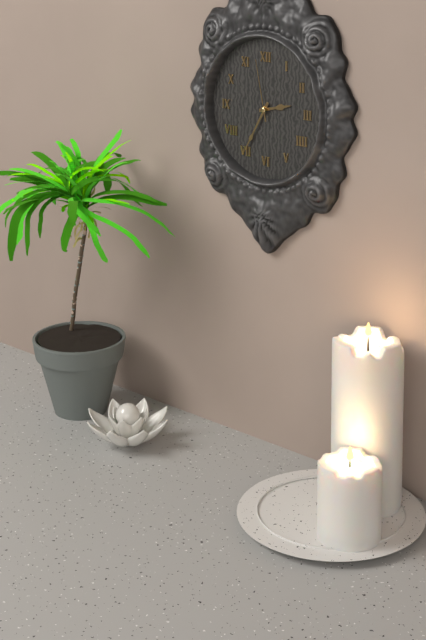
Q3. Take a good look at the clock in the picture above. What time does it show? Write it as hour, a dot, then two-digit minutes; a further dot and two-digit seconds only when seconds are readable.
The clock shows 2.35.58
